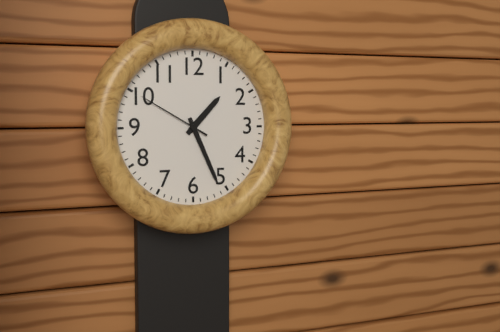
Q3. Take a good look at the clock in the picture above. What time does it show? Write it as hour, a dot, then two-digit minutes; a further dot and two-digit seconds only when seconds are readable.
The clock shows 1.26.50
